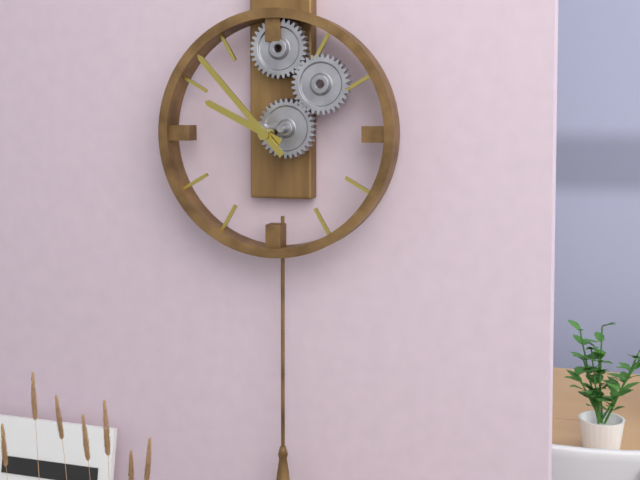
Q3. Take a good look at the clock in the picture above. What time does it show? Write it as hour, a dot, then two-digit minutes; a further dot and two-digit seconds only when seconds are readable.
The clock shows 9.53
